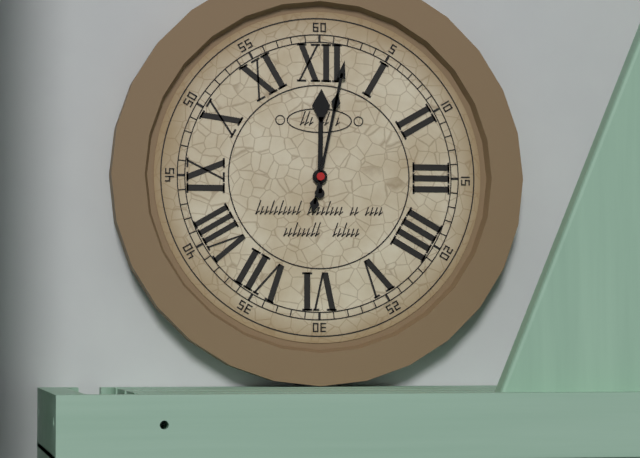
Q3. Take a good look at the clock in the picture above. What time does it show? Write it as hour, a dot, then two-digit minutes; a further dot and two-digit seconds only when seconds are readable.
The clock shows 12.02
